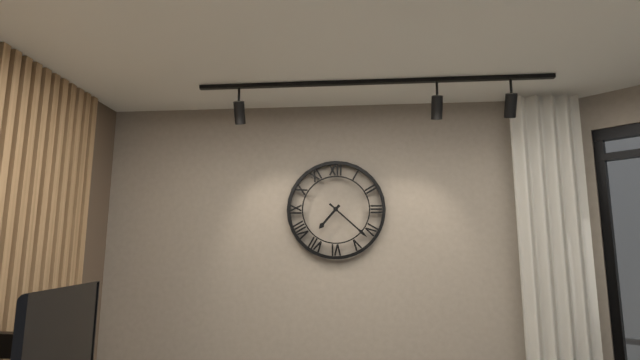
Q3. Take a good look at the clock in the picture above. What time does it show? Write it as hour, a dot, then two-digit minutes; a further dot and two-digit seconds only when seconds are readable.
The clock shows 7.22
